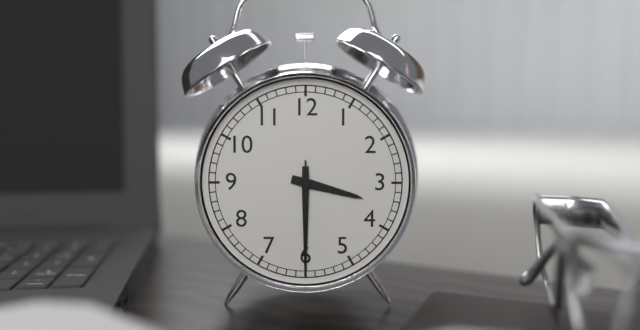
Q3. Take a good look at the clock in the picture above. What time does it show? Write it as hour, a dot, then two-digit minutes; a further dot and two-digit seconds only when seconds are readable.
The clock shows 3.30.30
